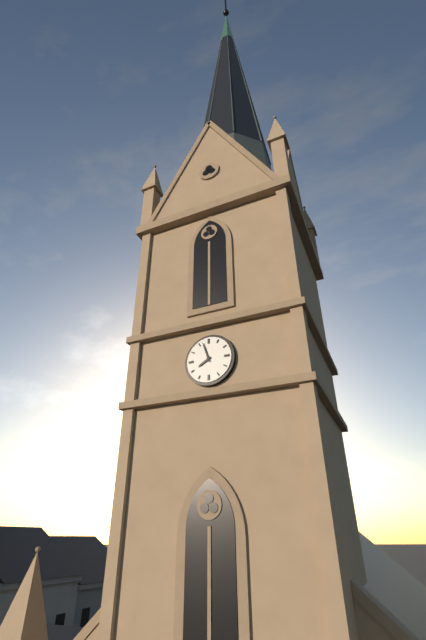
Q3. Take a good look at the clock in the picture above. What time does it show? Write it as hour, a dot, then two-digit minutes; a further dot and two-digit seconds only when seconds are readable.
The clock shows 7.57
